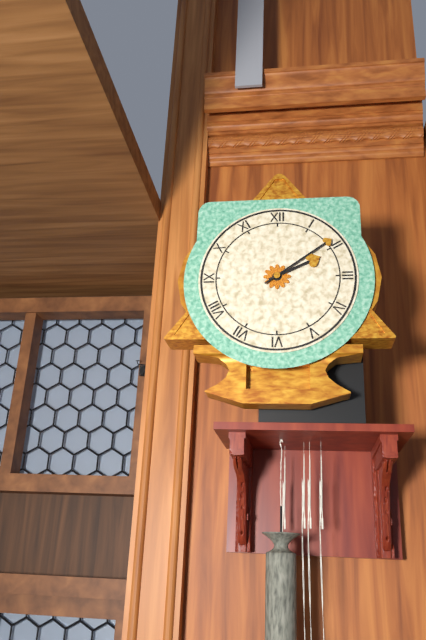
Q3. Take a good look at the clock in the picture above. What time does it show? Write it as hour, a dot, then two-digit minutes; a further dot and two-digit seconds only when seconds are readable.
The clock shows 2.09
